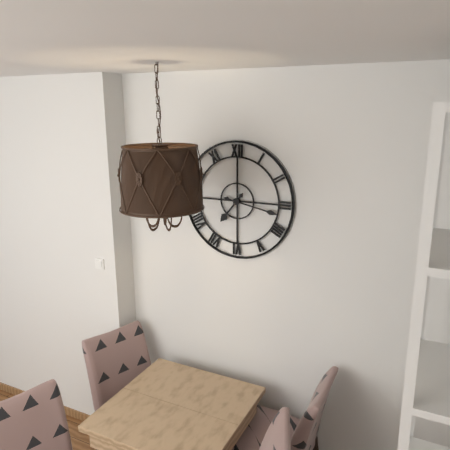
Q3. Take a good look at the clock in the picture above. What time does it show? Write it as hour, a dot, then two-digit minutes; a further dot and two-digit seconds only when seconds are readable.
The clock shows 7.17
